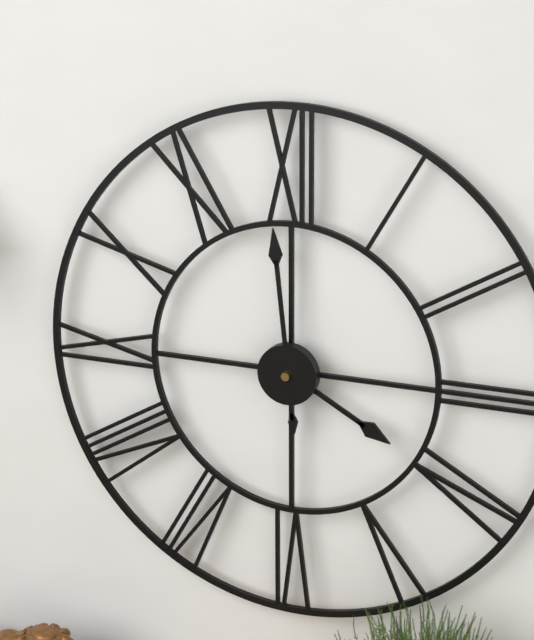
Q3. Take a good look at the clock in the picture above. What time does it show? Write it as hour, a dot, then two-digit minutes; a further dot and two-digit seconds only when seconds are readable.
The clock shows 3.59
